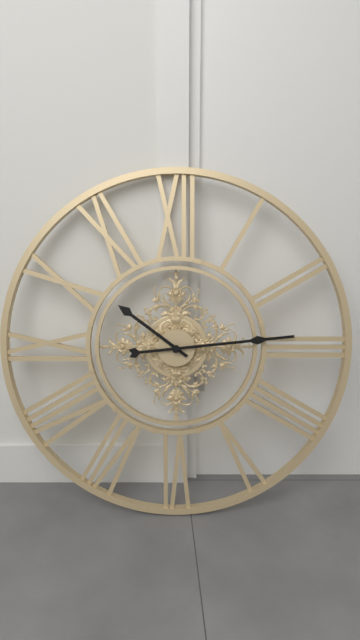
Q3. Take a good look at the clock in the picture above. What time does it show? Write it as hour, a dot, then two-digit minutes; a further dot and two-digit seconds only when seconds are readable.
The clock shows 10.14
